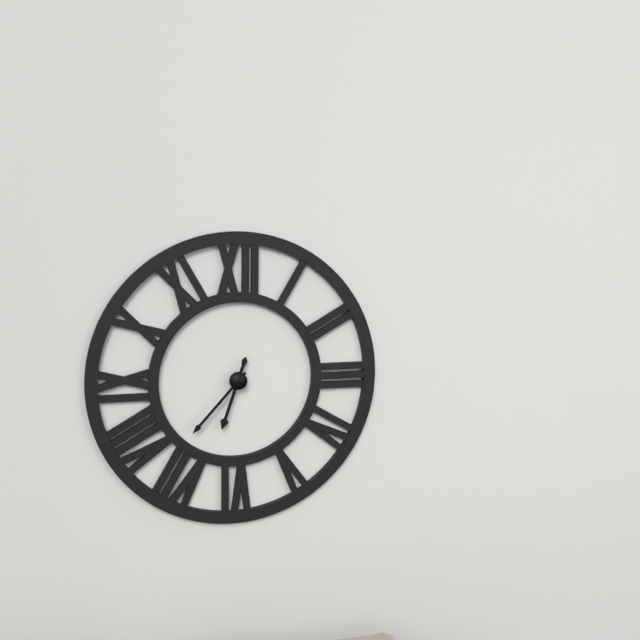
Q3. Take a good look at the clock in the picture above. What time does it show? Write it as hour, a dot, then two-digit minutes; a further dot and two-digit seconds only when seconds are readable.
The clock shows 6.37
